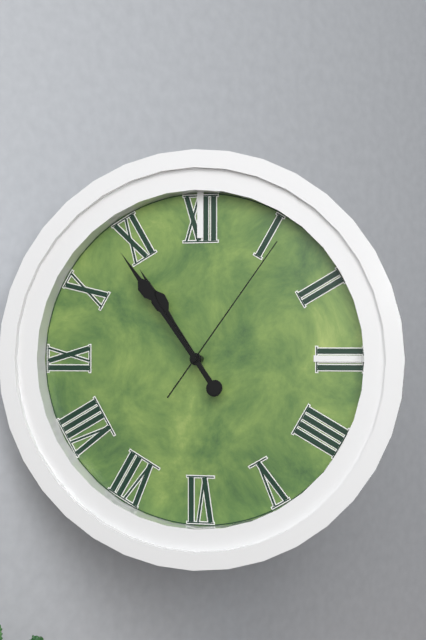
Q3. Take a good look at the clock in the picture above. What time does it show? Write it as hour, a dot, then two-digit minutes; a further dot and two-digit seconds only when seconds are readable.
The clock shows 10.54.06
